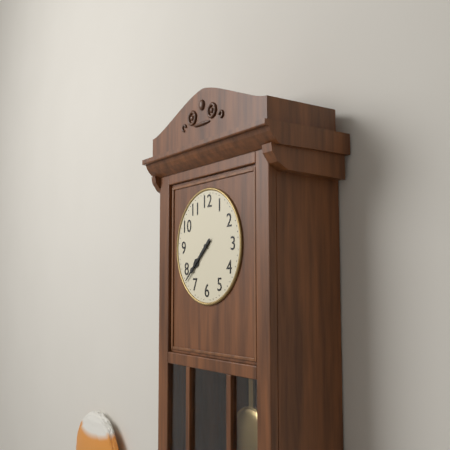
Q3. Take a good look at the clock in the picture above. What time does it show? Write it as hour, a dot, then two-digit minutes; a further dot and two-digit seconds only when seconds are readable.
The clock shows 7.38
